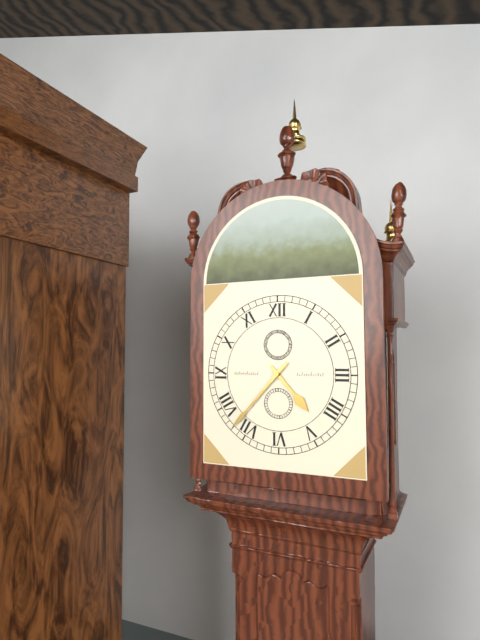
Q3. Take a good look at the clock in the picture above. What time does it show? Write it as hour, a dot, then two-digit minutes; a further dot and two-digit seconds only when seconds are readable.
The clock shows 4.37
